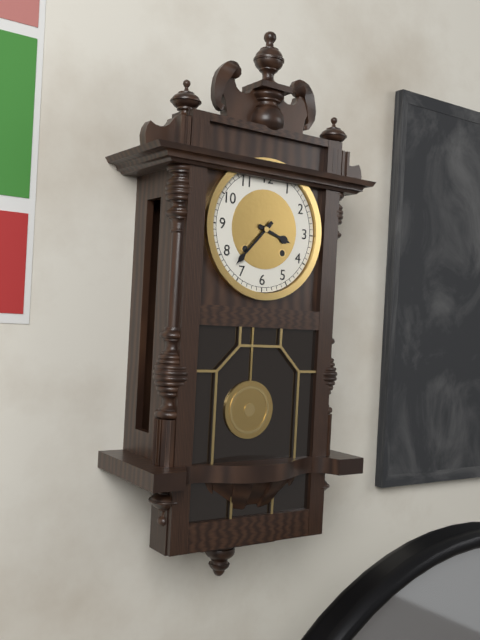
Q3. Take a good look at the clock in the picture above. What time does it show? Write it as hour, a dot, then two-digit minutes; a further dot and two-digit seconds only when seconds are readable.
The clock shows 3.37
